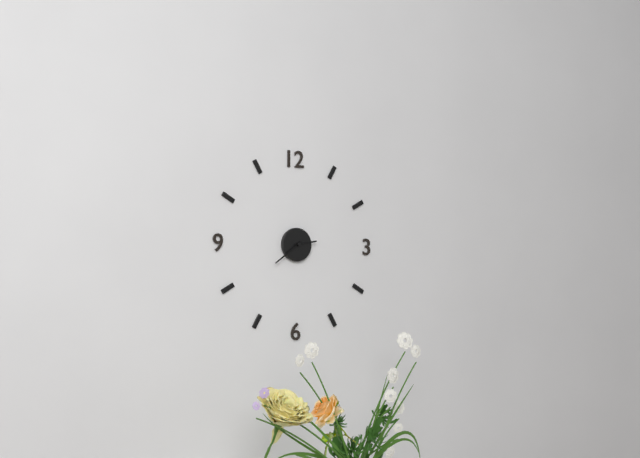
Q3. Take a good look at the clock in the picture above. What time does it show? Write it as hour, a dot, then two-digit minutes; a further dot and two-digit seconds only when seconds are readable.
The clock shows 2.39
